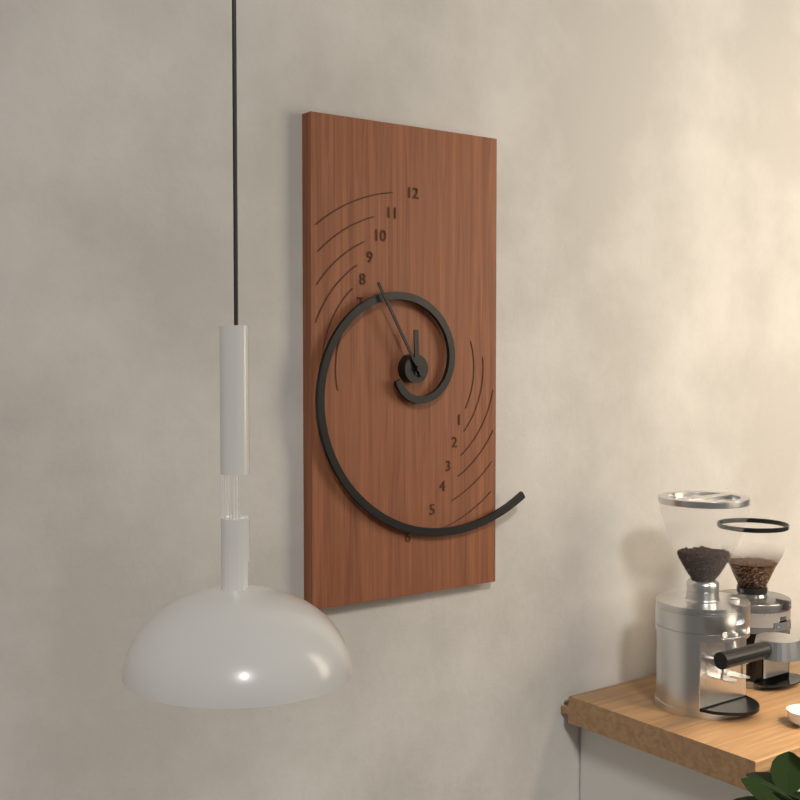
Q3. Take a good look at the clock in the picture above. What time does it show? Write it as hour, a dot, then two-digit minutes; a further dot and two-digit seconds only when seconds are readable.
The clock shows 11.55
